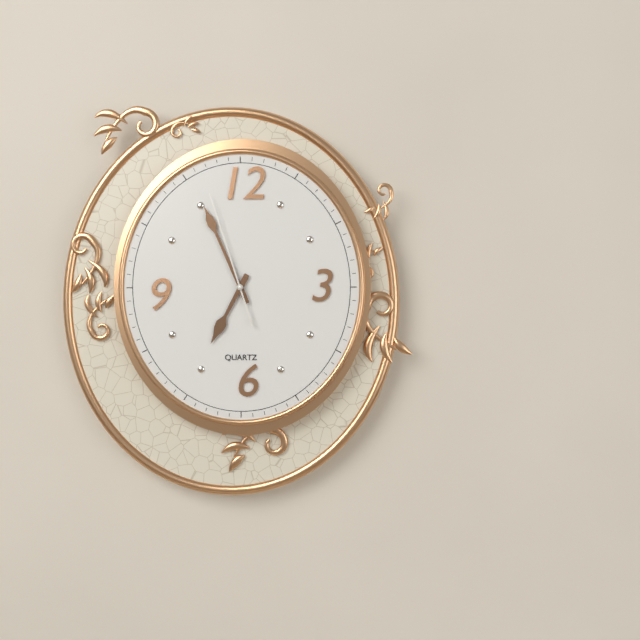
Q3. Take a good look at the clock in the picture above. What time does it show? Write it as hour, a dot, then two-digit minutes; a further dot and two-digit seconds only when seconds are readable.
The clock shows 6.56.57
